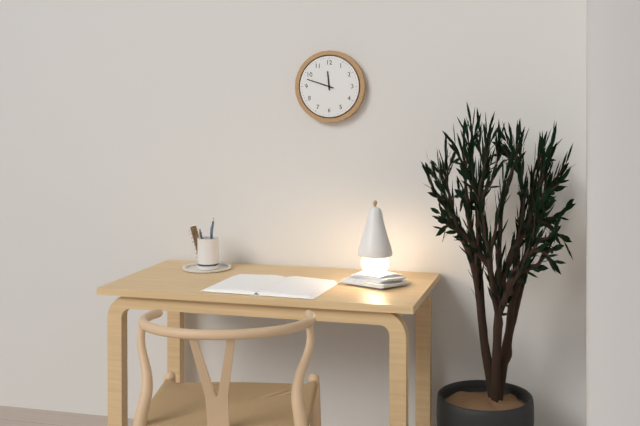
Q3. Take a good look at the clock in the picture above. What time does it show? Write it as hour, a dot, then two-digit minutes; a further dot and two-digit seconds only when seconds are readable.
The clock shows 11.48
